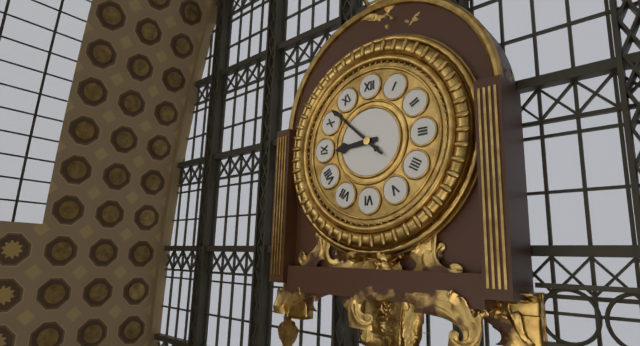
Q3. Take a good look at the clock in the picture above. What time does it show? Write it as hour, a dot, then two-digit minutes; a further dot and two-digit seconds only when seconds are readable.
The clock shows 8.52
